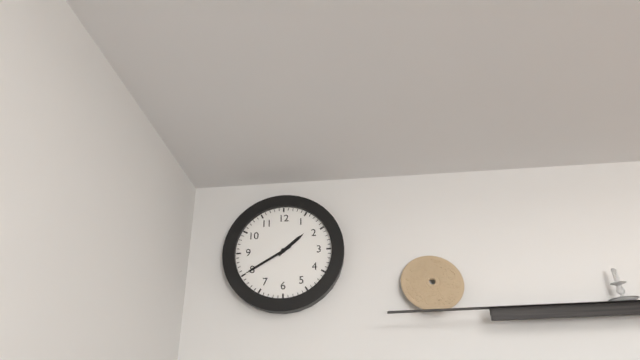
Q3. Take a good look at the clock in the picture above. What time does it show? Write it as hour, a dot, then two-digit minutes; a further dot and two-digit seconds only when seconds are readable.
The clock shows 1.40
